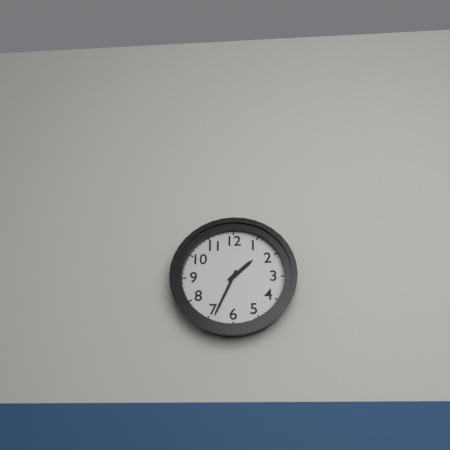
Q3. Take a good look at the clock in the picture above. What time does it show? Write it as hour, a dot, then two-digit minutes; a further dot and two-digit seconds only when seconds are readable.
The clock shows 1.34
